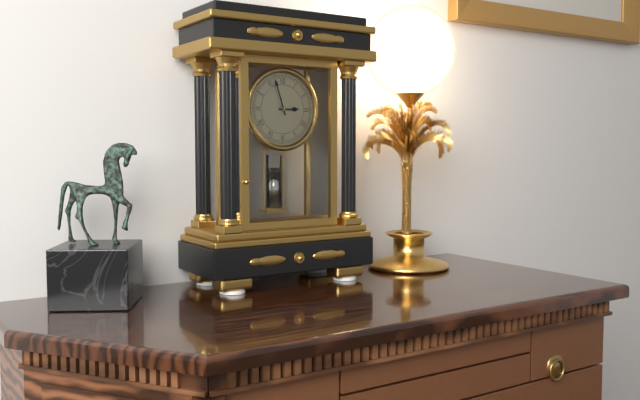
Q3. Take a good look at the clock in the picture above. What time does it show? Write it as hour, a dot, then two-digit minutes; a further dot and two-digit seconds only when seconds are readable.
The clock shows 2.57
